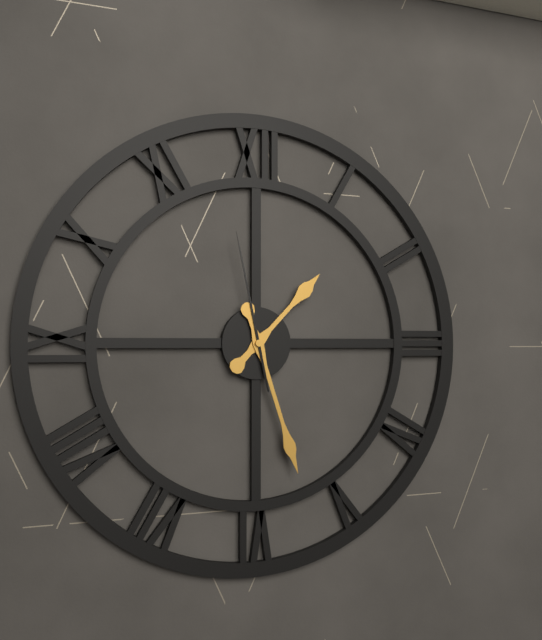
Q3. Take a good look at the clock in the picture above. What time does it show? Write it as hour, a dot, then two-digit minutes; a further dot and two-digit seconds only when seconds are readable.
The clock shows 1.27.58
